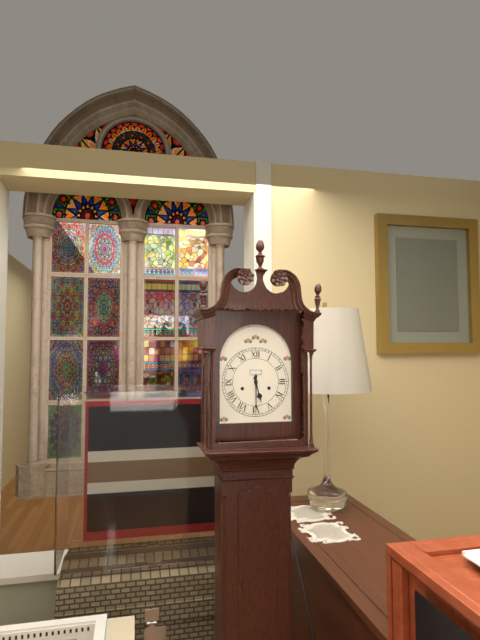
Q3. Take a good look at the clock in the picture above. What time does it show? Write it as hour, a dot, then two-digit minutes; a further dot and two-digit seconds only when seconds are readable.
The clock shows 5.30
